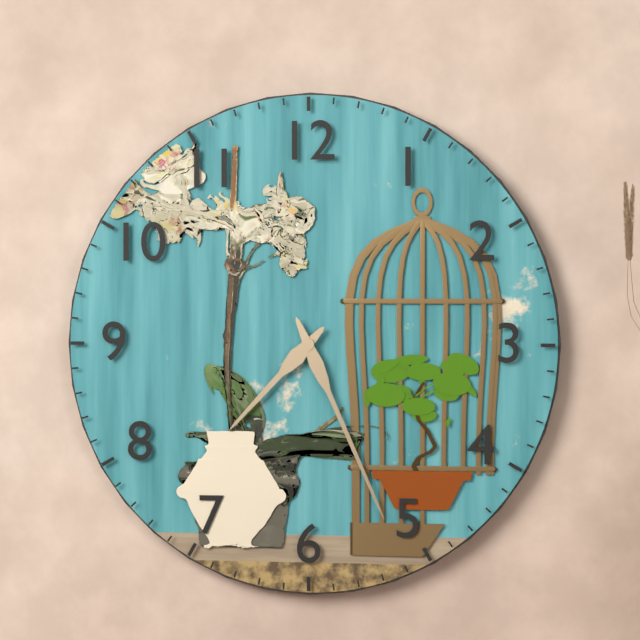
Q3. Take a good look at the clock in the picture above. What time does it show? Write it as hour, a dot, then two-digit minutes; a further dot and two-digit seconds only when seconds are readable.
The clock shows 7.26
